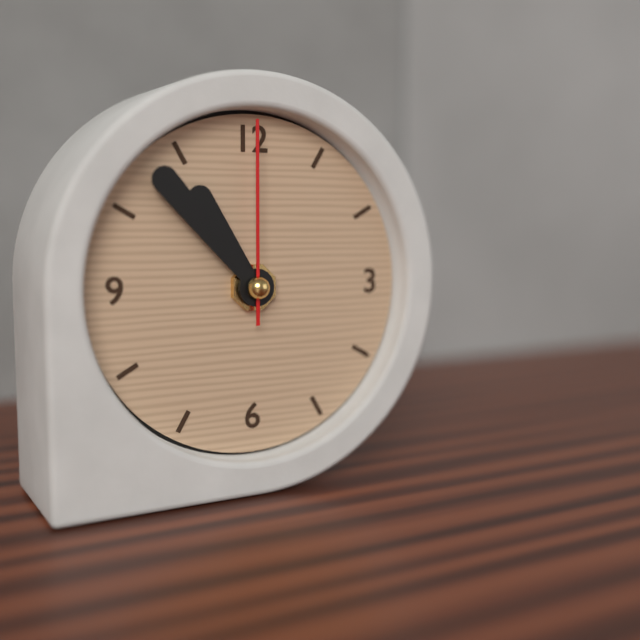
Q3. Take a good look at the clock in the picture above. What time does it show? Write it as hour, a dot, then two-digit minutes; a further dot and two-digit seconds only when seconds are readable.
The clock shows 10.53.00
